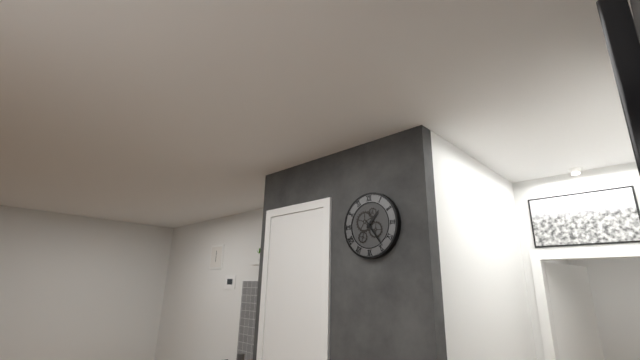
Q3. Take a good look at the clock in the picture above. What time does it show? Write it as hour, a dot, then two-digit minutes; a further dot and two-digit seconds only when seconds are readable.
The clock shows 1.24
